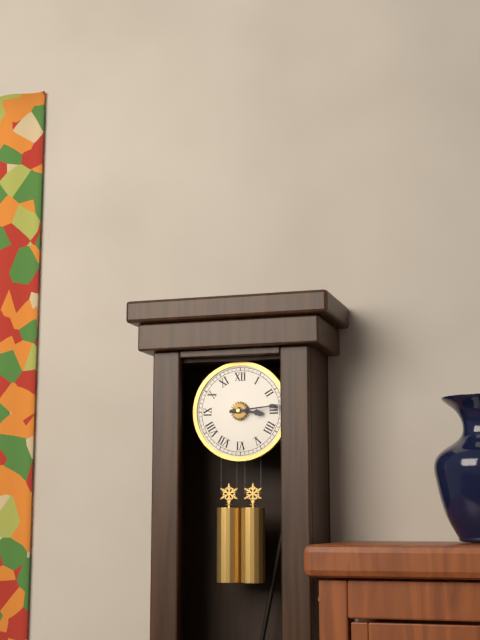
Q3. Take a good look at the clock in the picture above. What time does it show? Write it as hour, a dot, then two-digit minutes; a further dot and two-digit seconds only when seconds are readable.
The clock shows 3.14
